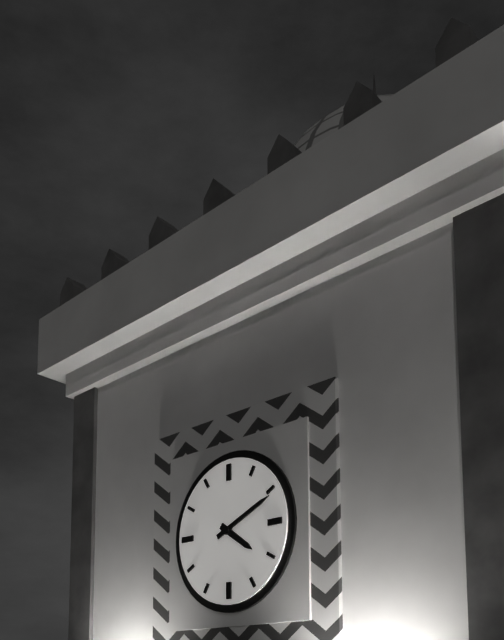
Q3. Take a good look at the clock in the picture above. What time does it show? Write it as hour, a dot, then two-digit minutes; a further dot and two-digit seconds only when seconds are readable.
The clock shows 4.11
